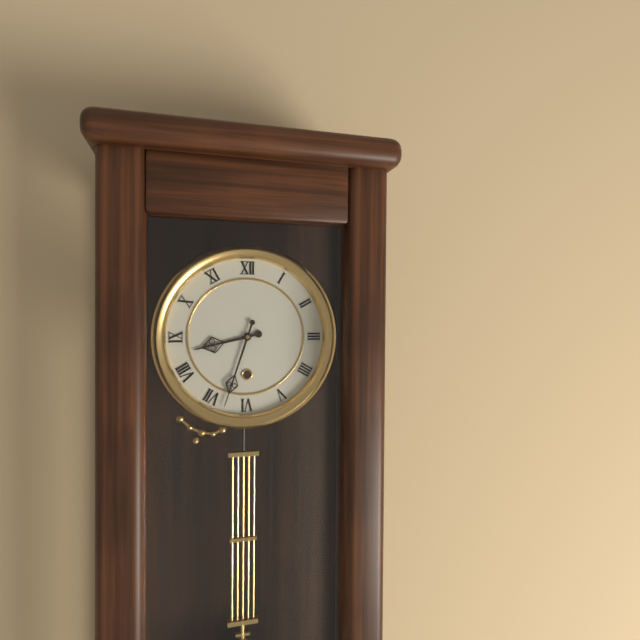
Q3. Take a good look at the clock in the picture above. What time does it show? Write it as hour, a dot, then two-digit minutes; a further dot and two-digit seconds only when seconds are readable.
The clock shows 8.33
